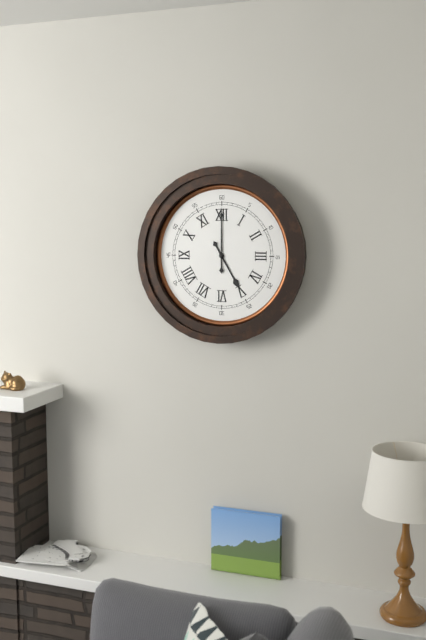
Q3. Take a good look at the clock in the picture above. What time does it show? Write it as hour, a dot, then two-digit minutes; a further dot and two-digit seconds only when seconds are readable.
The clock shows 5.00
